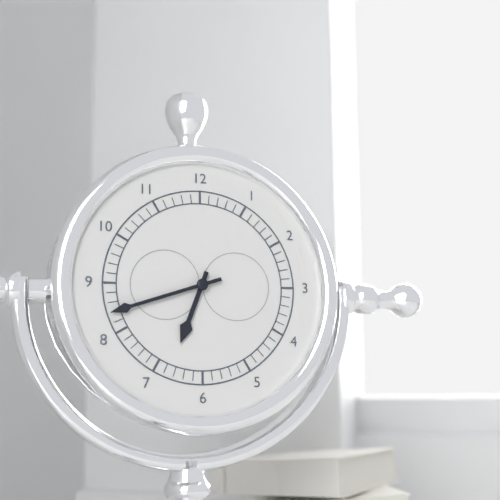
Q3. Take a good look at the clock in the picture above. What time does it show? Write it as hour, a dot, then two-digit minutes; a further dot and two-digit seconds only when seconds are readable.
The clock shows 6.42
